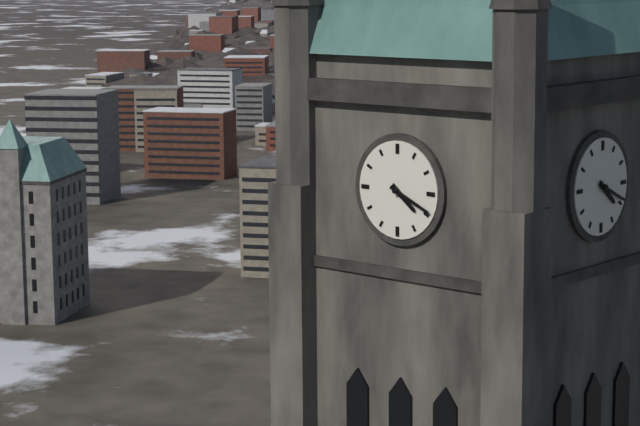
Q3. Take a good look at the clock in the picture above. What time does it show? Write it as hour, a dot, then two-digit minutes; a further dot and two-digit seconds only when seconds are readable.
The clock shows 4.19
